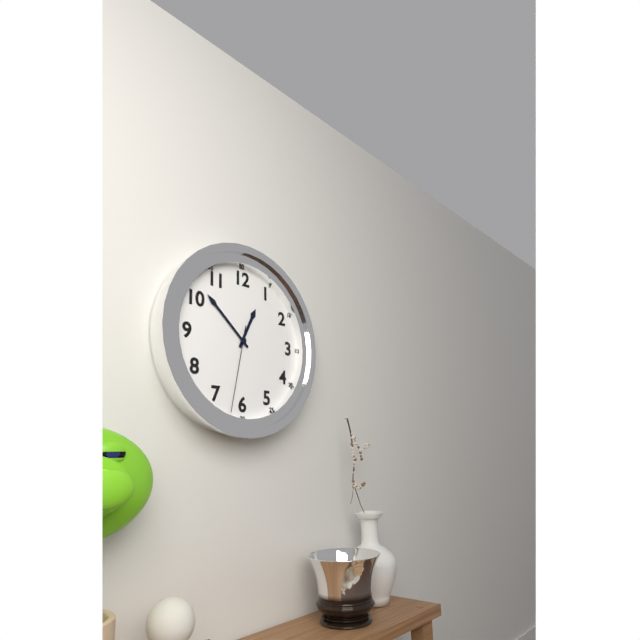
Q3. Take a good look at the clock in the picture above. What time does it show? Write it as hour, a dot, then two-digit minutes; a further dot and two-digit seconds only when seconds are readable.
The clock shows 12.52.32
